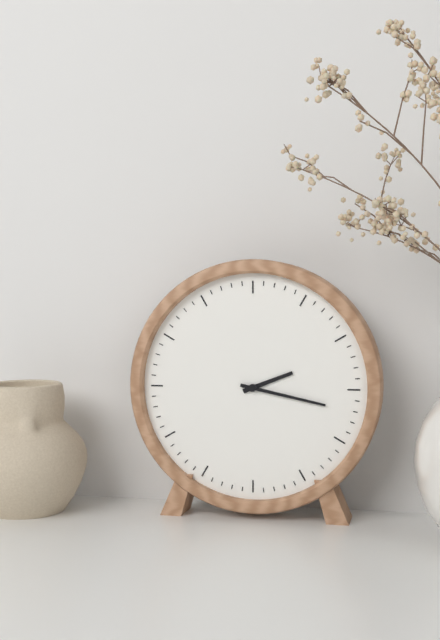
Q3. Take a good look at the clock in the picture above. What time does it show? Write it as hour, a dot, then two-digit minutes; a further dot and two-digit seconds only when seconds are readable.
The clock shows 2.17
